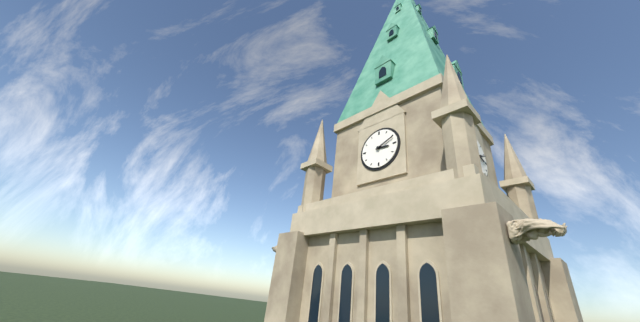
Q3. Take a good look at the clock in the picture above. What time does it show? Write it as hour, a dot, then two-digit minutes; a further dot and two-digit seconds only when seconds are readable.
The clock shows 3.11
